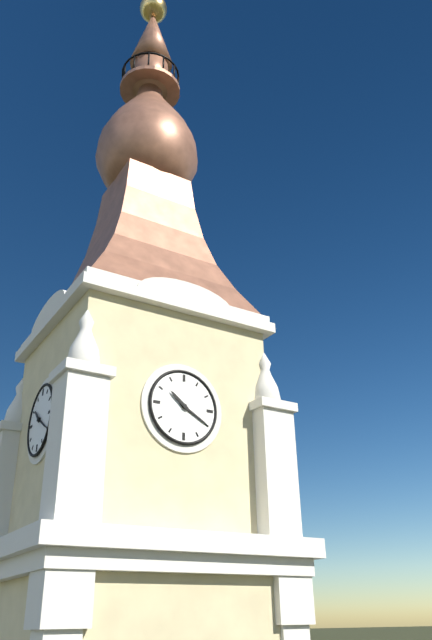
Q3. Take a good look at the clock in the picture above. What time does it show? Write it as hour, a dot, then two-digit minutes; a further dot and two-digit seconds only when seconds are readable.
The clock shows 10.20
